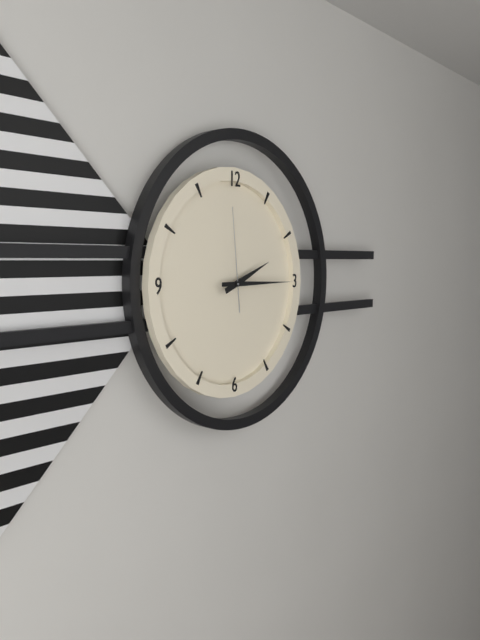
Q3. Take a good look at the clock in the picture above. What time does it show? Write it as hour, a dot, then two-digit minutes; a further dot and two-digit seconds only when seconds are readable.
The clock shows 2.15.59
